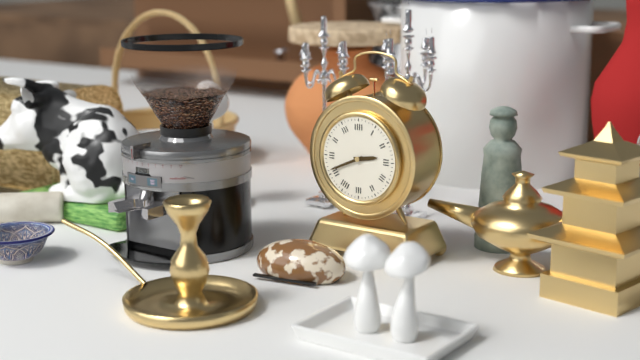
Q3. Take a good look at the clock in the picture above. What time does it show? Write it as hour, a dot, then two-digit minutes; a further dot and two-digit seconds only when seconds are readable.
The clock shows 2.41
